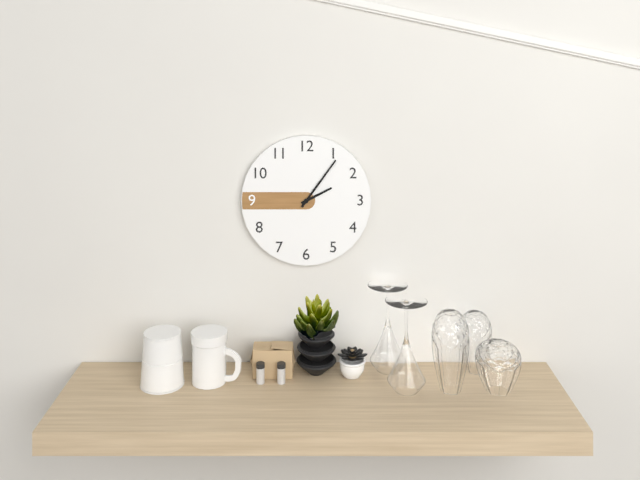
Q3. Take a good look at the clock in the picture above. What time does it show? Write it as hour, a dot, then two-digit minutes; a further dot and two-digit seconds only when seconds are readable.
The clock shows 2.06
